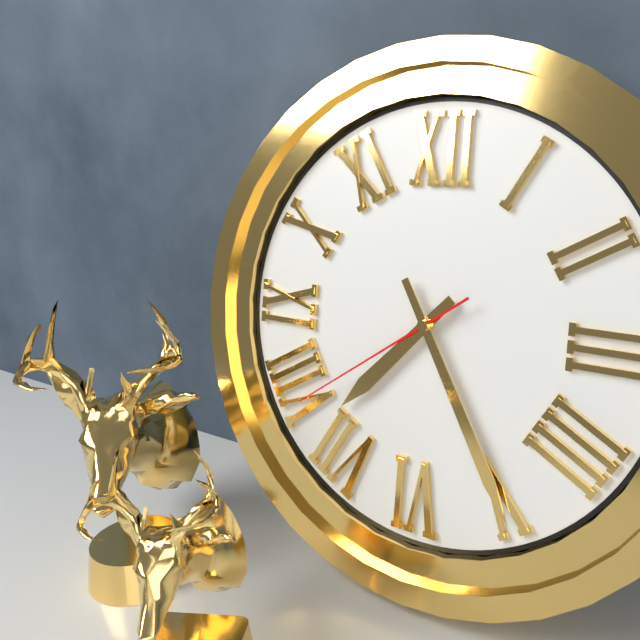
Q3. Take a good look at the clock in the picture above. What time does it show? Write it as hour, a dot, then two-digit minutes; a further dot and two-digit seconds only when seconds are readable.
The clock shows 7.25.39
